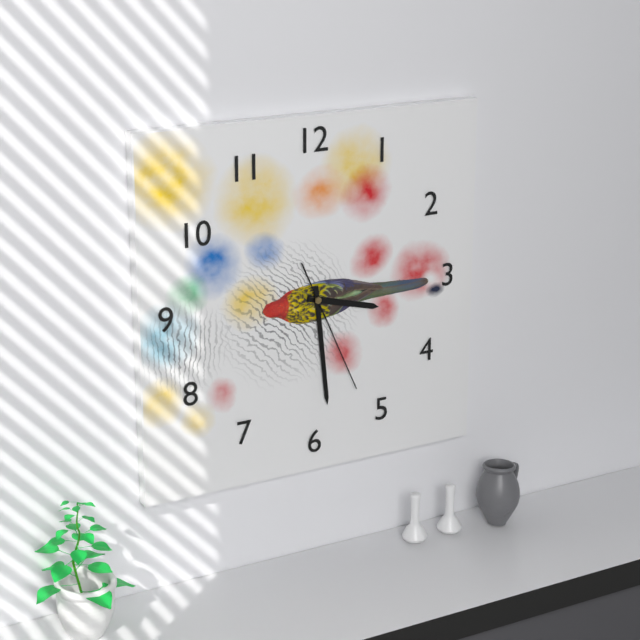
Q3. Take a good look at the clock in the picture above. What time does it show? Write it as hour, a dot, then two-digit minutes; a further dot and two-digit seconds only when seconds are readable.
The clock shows 3.29.26
